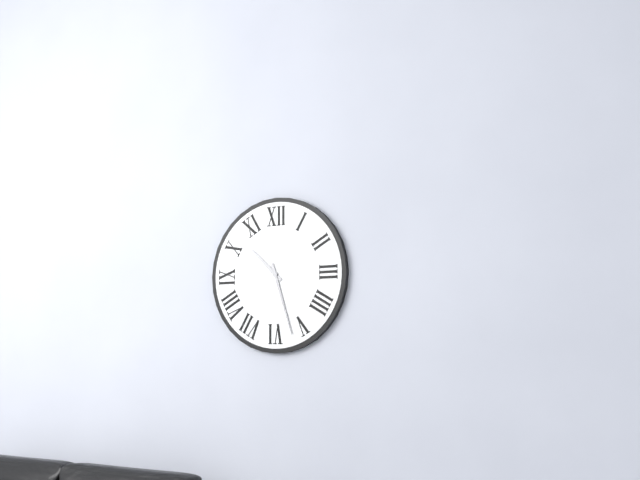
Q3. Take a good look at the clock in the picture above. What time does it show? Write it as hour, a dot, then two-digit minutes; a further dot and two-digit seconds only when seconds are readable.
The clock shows 10.27
